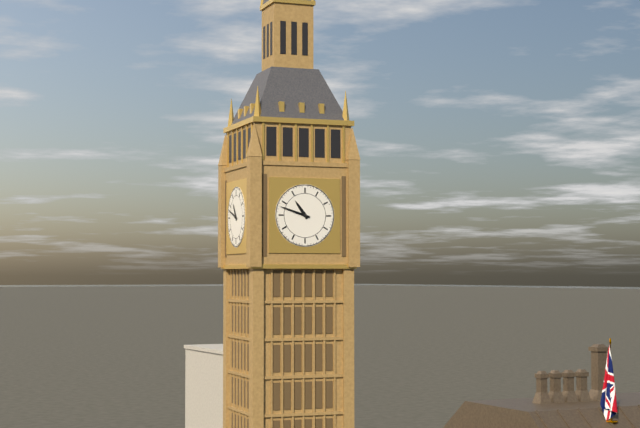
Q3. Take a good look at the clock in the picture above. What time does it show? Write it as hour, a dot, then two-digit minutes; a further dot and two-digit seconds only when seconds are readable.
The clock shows 10.48
